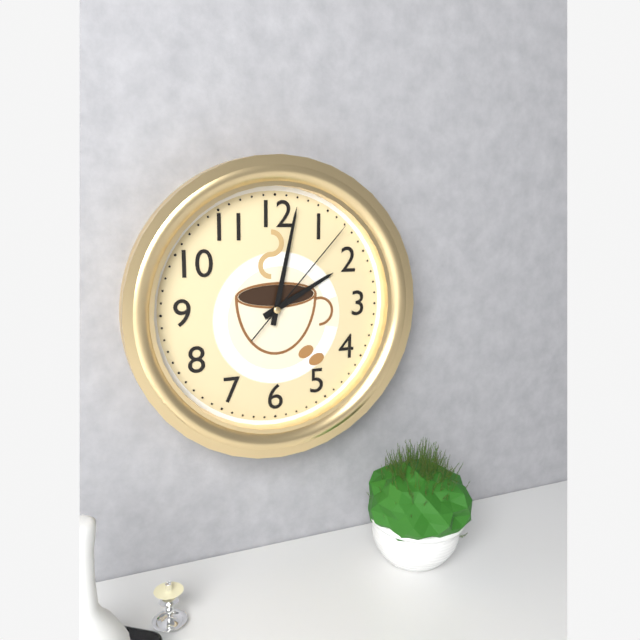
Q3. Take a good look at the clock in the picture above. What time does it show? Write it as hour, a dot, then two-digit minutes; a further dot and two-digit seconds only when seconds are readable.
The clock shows 2.02.07
